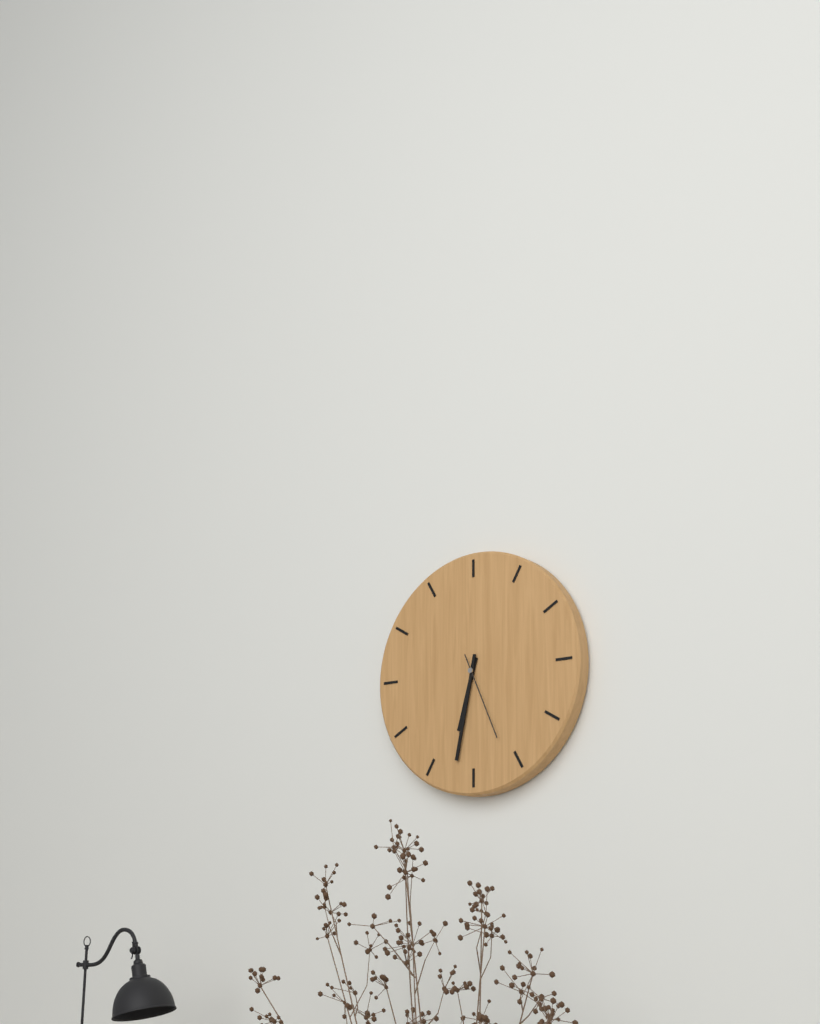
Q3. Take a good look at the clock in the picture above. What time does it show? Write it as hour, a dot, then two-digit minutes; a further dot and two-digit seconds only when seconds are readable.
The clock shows 6.32.26
